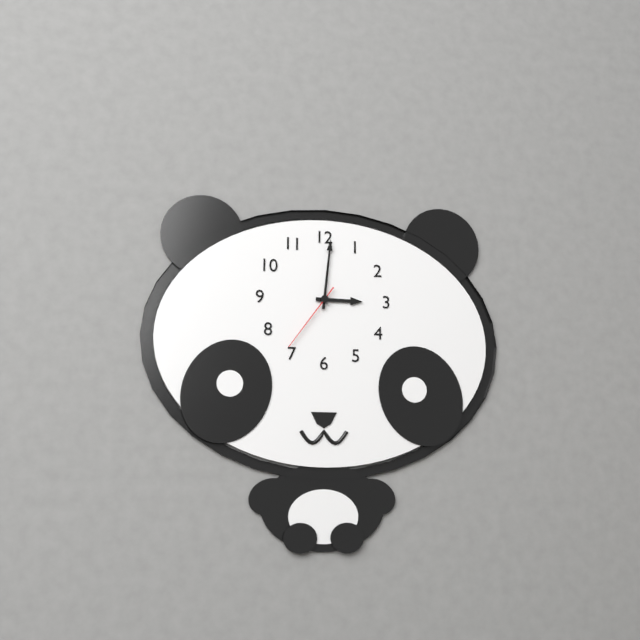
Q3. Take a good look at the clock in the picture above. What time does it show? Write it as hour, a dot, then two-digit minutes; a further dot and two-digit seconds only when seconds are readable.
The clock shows 3.01.36
